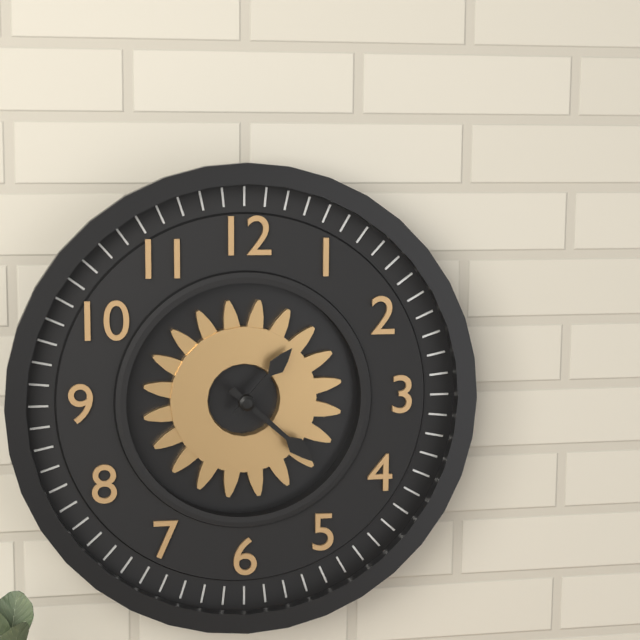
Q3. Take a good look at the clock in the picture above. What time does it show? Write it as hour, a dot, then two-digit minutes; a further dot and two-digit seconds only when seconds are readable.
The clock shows 1.22
